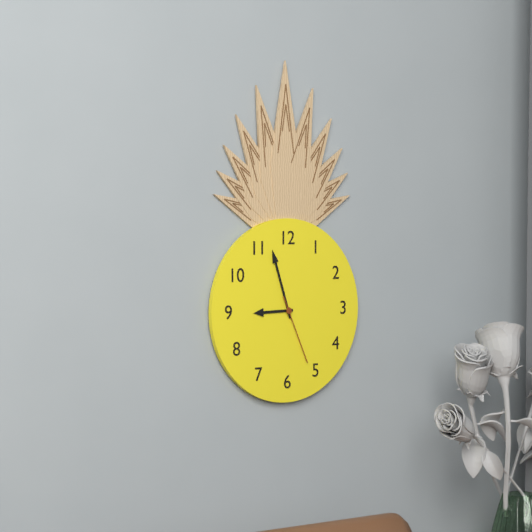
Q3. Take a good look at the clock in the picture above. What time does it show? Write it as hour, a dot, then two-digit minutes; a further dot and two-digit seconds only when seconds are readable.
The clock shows 8.57.26
